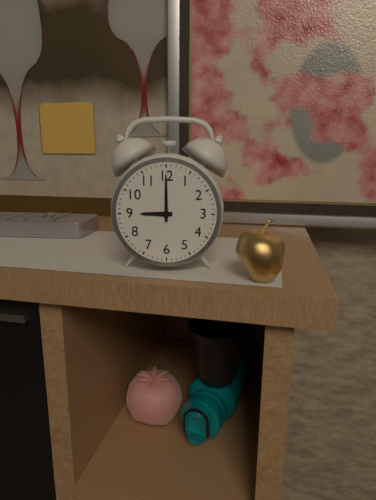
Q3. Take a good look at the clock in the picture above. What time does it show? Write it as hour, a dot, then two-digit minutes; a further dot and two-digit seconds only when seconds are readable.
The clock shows 9.00
